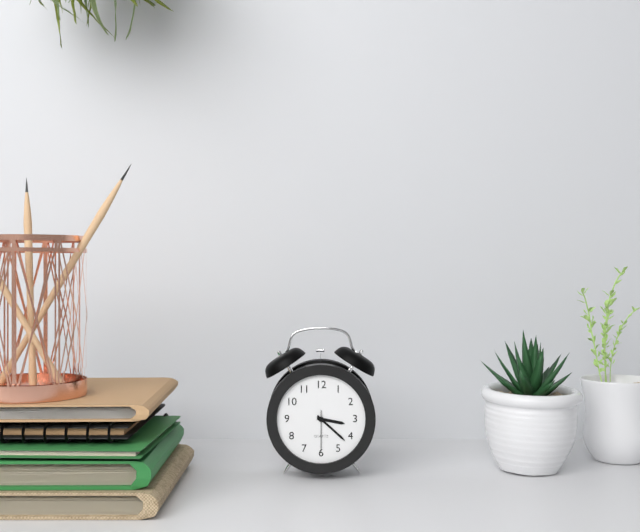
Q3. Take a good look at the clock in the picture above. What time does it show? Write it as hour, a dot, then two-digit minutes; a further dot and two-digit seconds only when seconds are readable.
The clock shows 3.22
